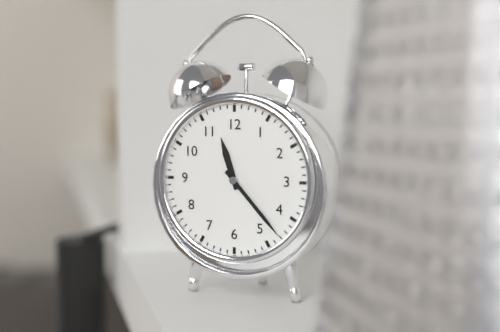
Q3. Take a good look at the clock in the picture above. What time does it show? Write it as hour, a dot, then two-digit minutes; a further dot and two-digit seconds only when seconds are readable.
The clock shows 11.23
